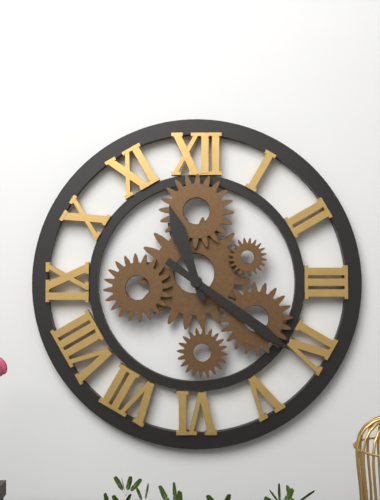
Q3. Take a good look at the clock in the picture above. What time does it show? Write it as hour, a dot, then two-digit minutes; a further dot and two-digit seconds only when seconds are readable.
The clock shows 11.21
